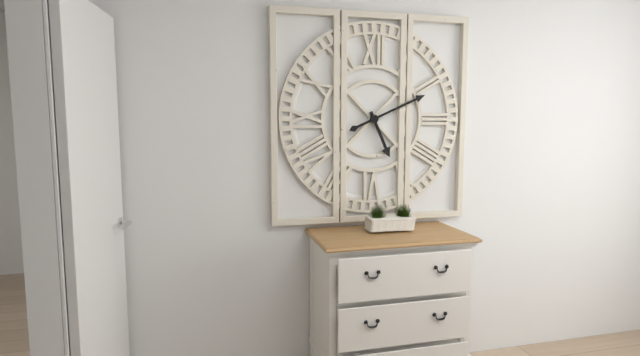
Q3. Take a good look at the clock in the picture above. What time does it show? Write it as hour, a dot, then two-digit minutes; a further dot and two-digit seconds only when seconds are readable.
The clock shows 5.11
